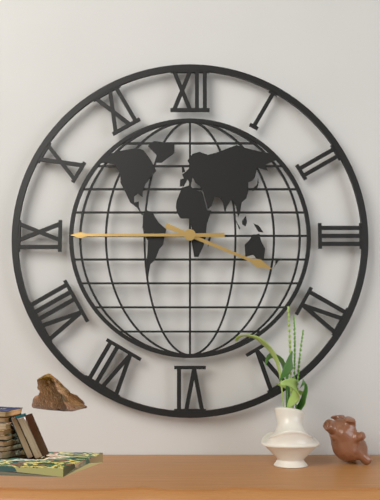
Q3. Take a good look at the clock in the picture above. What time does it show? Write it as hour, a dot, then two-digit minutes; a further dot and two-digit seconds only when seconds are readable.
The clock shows 3.45
